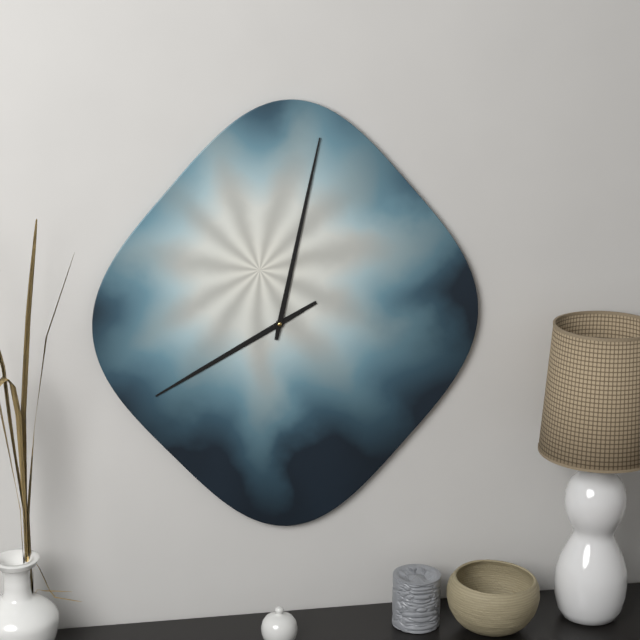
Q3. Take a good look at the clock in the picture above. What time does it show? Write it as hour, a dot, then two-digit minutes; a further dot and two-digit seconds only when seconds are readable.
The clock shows 8.02
